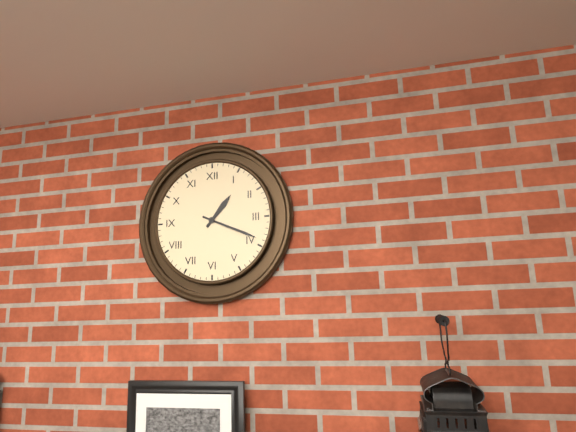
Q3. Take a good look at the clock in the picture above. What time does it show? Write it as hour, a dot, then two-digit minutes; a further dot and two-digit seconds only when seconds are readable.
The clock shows 1.19
